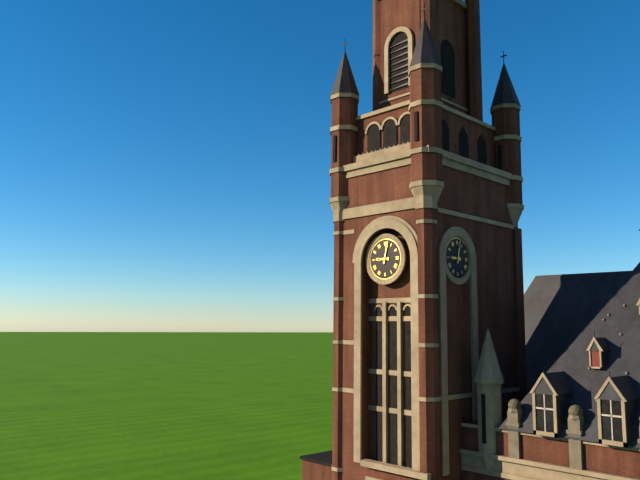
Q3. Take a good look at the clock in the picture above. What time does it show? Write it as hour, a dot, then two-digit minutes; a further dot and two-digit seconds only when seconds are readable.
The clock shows 9.02
